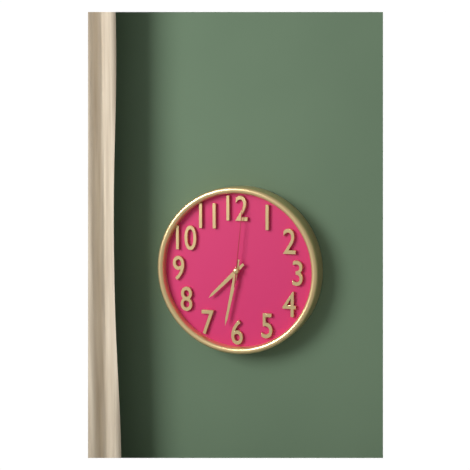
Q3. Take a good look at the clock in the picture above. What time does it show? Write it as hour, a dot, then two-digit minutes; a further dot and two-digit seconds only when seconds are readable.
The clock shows 7.32.01
